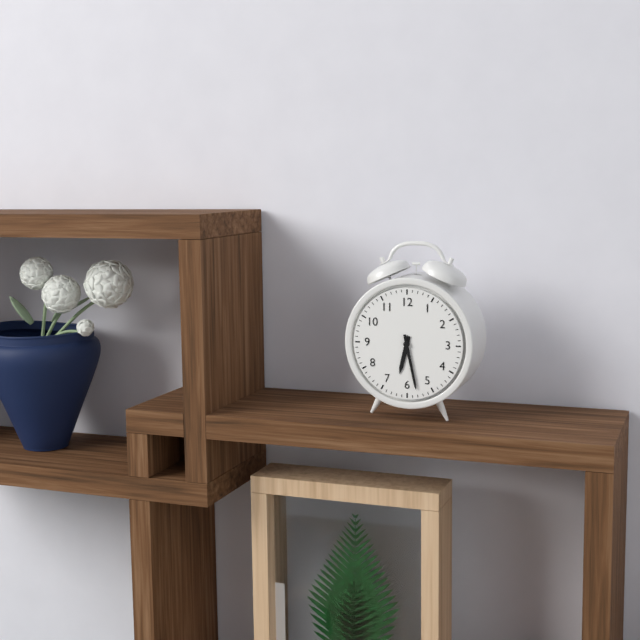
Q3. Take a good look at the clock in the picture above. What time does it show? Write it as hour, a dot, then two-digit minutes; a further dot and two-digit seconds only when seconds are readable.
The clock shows 6.28
